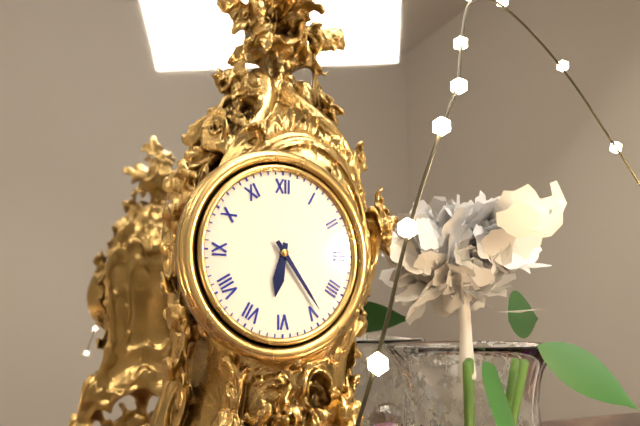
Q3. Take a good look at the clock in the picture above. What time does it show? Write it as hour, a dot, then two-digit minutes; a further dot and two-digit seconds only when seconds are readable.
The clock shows 6.24
